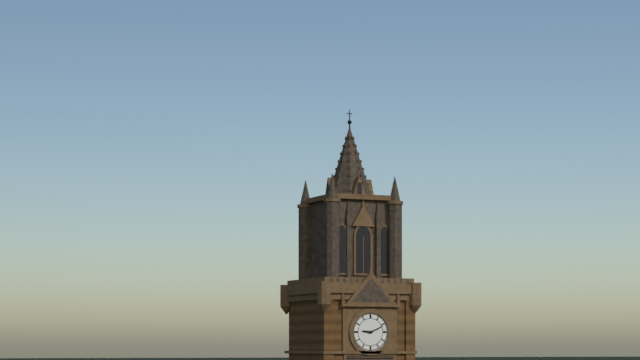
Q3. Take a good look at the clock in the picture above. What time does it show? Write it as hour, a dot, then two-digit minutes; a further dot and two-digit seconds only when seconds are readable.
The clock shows 9.11
